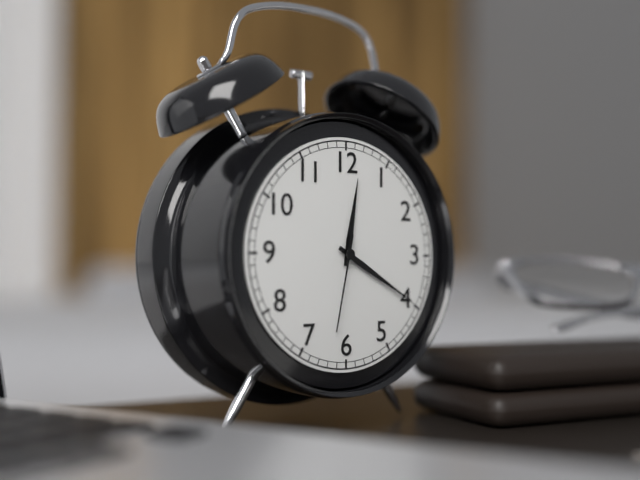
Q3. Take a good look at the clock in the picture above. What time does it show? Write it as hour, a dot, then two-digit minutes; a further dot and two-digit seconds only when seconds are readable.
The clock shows 12.20.32
